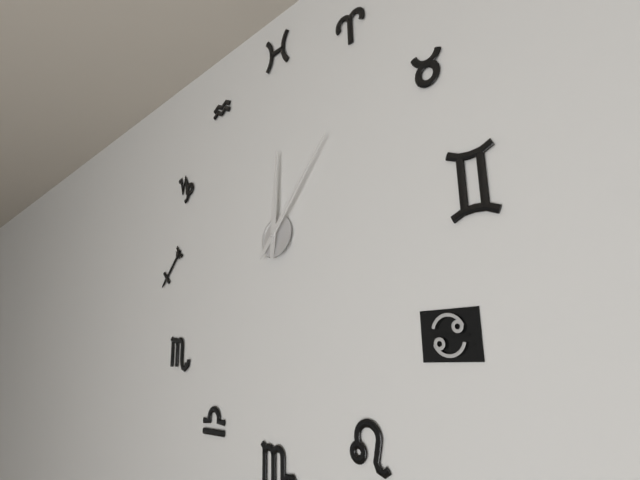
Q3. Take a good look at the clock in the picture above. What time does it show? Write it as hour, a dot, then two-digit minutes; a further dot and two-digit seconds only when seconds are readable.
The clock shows 12.07
